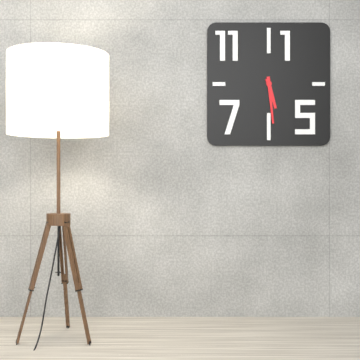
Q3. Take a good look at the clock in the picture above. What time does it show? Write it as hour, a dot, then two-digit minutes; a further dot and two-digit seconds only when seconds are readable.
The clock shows 5.29
